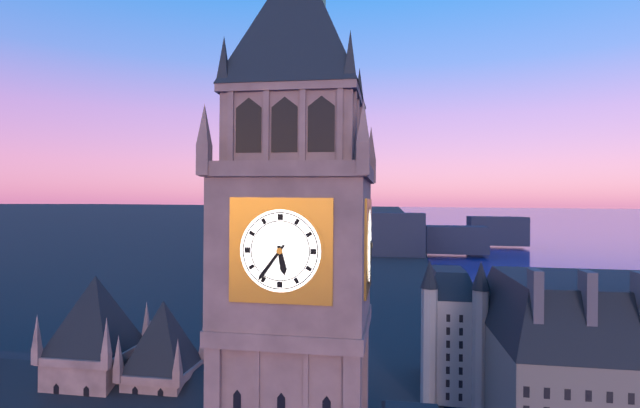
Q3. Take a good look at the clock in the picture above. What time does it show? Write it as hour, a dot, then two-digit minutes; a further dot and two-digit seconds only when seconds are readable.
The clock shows 5.36
